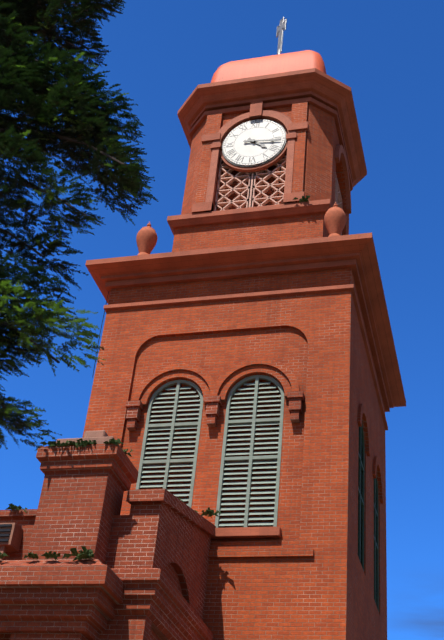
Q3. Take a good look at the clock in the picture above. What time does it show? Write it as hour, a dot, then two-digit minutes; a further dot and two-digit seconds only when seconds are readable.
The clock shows 4.16
